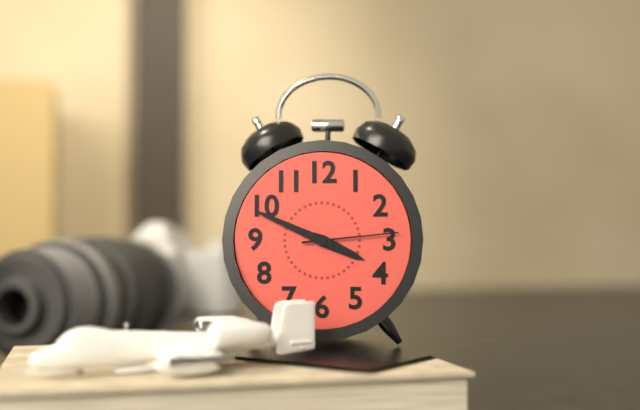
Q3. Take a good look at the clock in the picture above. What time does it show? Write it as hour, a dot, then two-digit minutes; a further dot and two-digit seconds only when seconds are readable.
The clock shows 3.49.14
